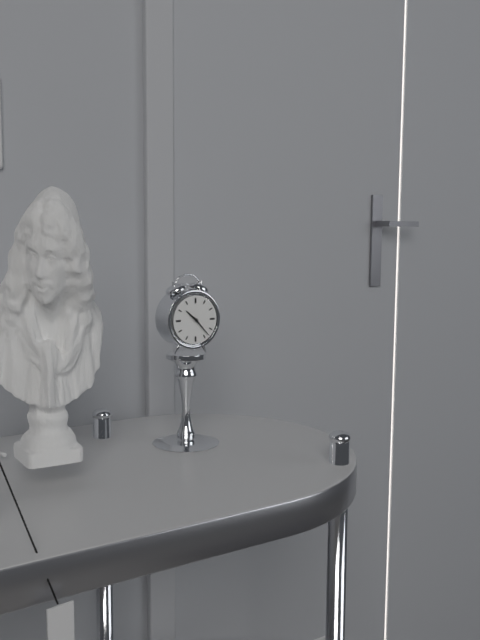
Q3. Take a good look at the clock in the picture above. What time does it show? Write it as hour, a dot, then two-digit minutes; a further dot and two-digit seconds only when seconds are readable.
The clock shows 10.23
